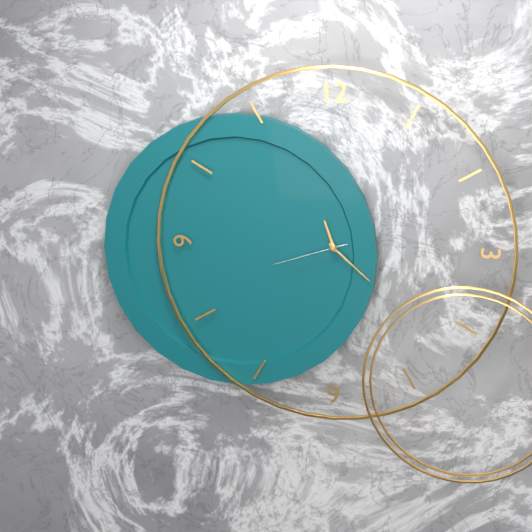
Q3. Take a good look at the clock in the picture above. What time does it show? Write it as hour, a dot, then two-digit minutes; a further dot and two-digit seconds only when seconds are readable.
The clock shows 11.22.42
